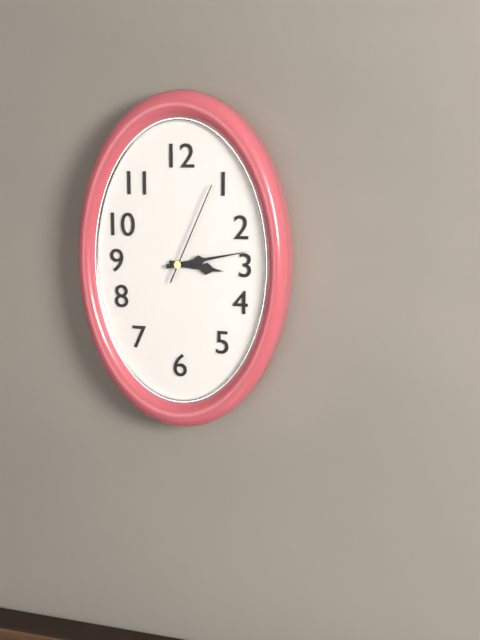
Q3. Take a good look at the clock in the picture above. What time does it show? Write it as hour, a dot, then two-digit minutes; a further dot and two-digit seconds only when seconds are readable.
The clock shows 3.13.04
